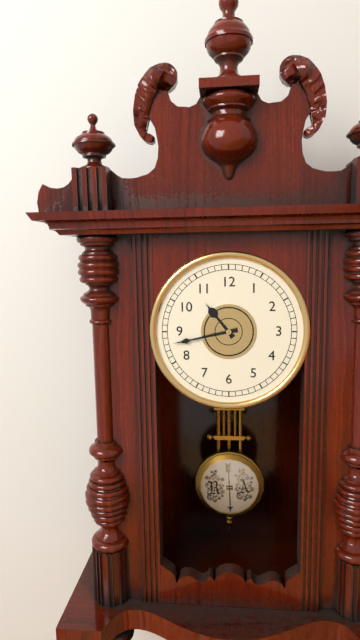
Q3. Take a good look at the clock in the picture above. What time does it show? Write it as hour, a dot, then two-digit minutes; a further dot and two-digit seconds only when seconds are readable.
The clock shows 10.43
